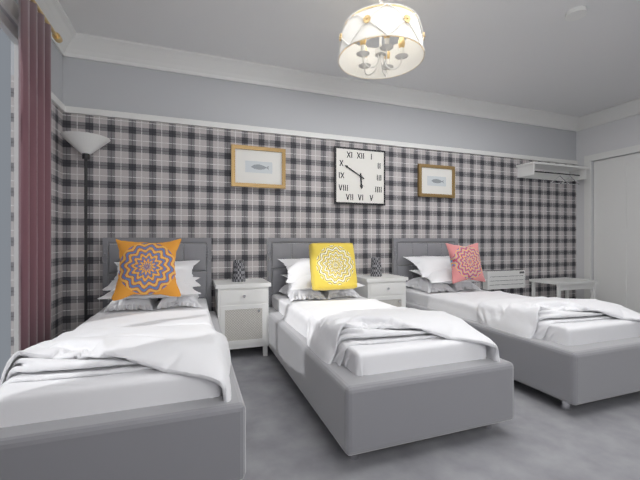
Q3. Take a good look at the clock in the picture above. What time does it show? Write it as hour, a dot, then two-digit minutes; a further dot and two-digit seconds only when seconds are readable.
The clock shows 5.50
